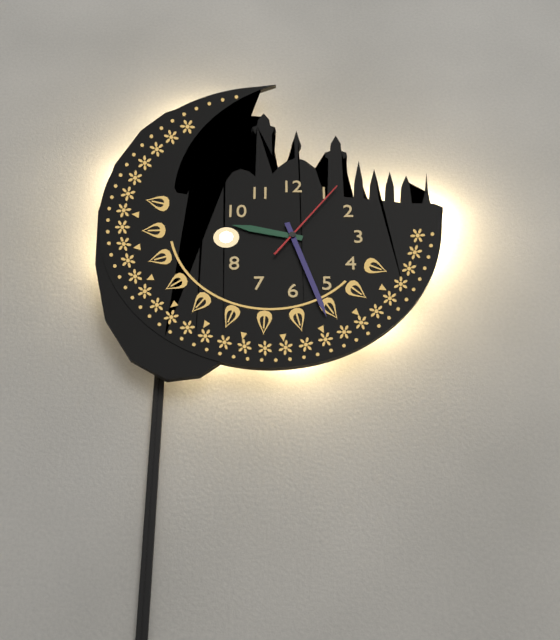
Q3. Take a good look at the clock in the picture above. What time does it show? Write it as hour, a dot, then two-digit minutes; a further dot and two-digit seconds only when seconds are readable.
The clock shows 9.27.06
